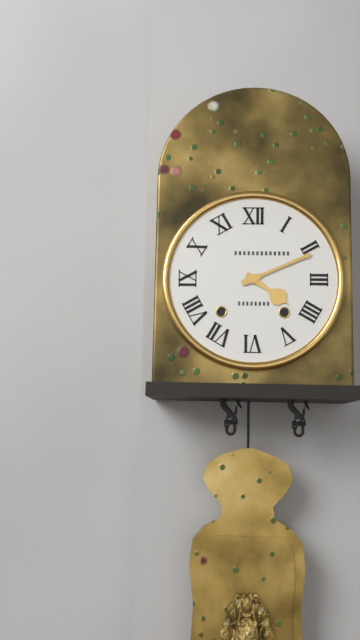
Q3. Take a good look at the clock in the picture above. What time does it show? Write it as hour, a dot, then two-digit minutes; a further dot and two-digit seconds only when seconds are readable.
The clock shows 4.11
